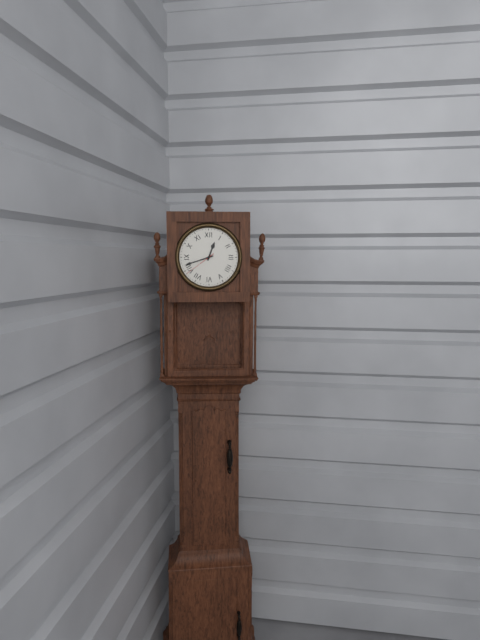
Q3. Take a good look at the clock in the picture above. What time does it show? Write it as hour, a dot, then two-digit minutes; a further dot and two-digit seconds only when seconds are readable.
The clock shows 12.42
